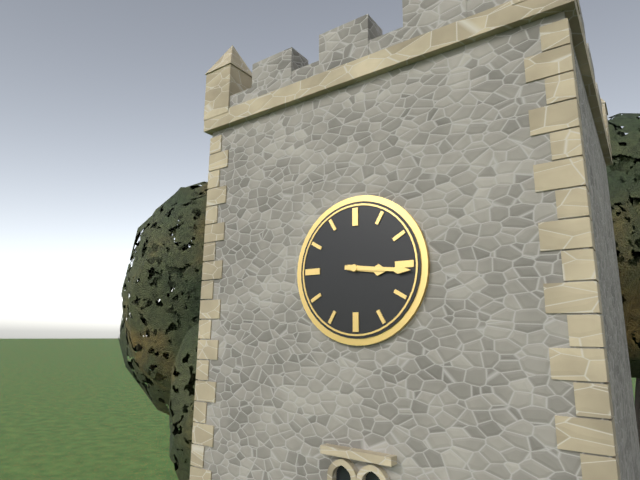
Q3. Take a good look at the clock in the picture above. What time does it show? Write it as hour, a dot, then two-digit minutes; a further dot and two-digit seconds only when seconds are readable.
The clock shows 3.16
